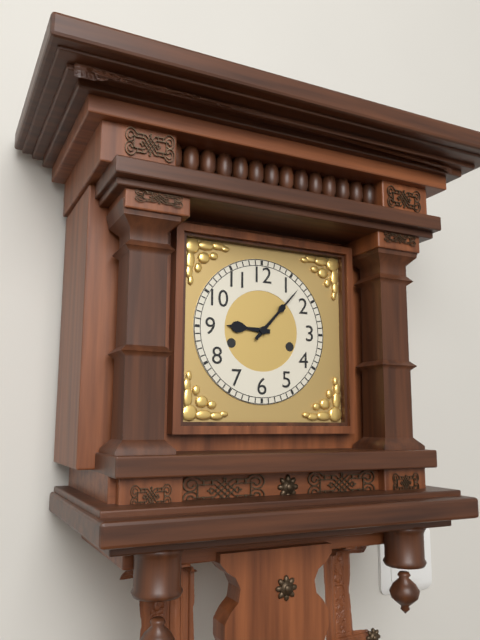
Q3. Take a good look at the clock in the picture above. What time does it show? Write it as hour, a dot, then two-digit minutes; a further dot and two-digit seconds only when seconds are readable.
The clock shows 9.07
